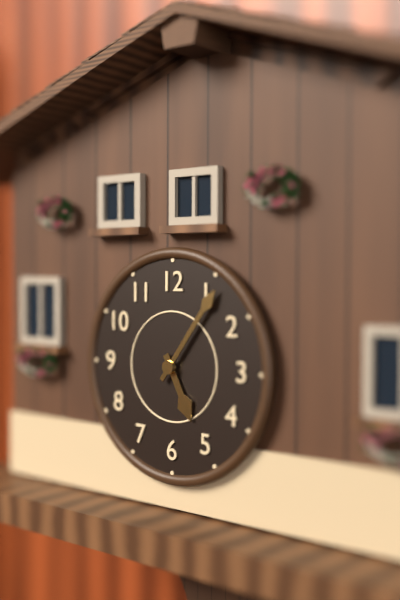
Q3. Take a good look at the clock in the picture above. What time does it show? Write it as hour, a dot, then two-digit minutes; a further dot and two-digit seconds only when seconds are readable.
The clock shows 5.06
